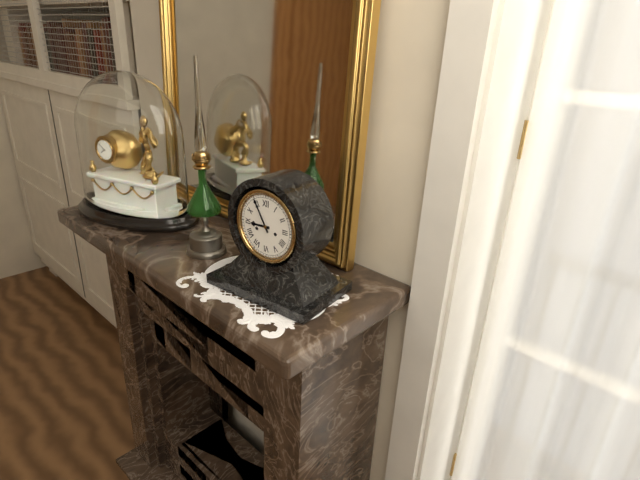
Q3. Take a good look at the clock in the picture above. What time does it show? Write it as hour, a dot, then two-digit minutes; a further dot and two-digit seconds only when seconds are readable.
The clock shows 8.55
